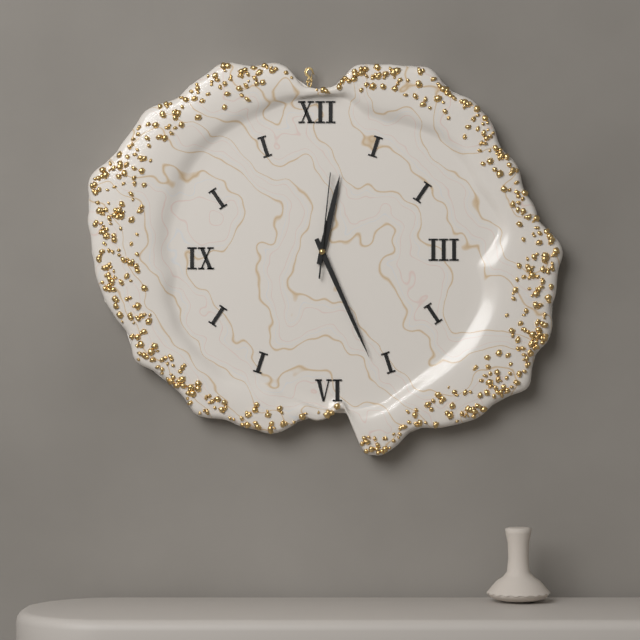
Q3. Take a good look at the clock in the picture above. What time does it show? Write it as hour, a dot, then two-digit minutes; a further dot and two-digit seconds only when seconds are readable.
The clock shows 12.26.01
